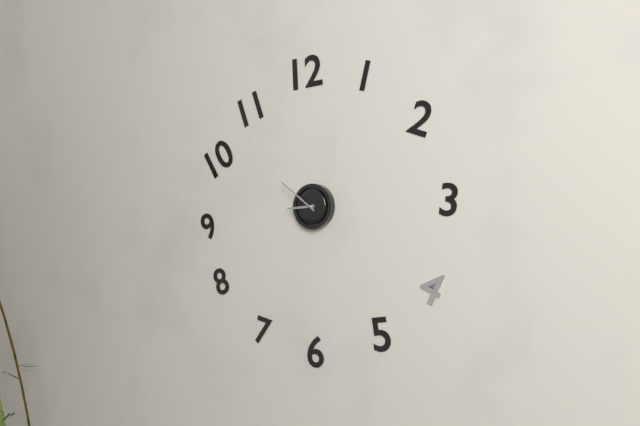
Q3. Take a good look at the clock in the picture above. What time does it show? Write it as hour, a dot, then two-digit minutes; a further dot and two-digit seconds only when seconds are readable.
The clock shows 8.51
